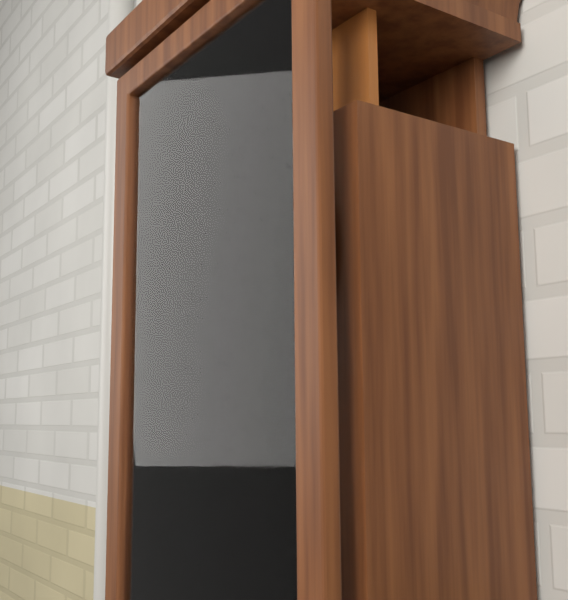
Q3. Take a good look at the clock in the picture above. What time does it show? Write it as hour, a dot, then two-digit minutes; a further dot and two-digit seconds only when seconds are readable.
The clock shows 8.38
